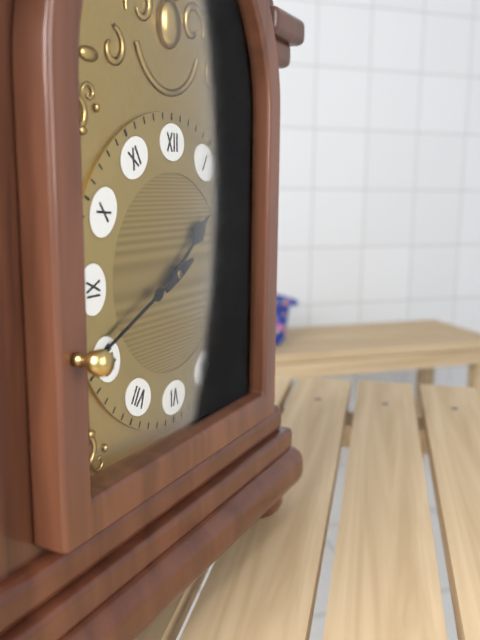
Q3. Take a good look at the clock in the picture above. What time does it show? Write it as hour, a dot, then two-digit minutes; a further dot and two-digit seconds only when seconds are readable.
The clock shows 1.41
